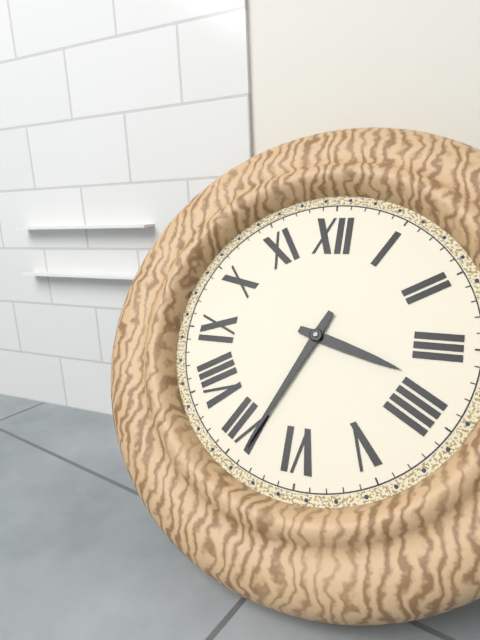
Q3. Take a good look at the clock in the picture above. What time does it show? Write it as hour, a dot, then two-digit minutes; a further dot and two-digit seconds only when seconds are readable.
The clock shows 3.34
